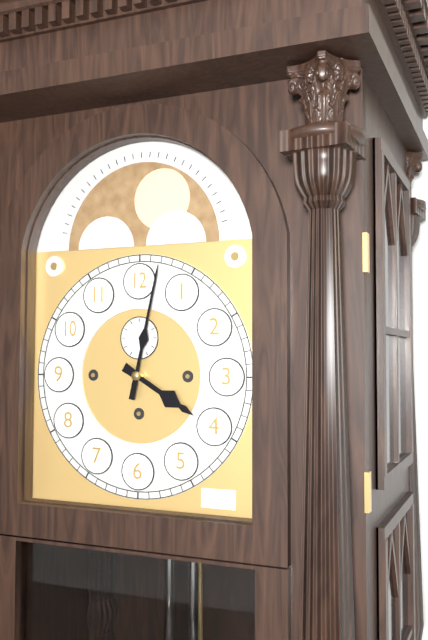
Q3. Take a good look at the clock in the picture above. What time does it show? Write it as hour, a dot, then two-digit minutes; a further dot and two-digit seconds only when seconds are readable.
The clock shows 4.02
